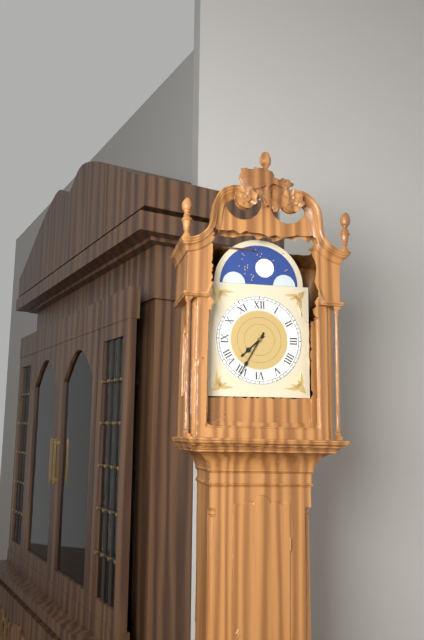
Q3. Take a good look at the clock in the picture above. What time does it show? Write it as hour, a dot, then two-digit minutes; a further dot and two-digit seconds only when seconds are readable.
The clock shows 7.35
